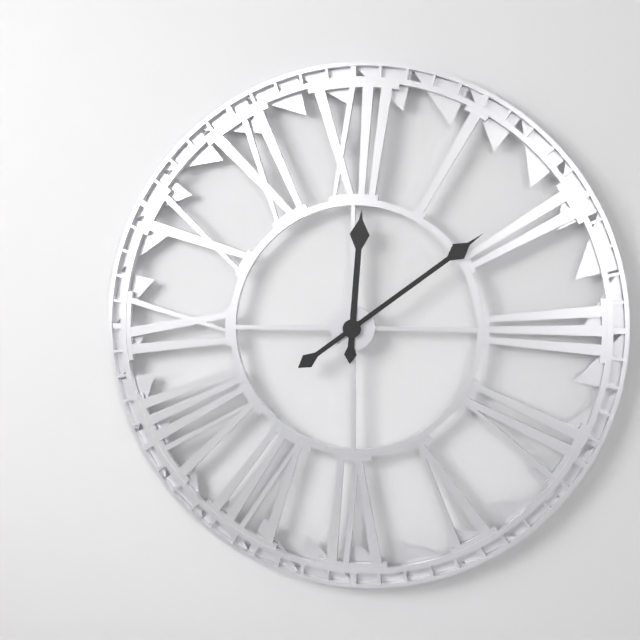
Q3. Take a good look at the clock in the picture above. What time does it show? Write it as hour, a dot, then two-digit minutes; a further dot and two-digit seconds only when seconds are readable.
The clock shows 12.09
